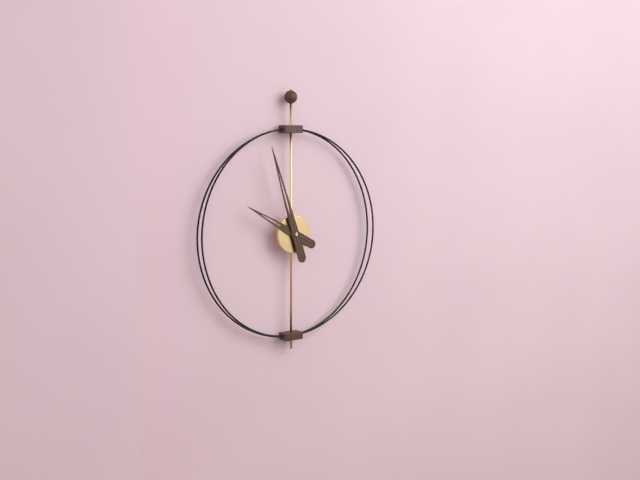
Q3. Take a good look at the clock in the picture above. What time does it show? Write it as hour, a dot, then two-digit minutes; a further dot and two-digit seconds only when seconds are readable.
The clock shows 9.57
